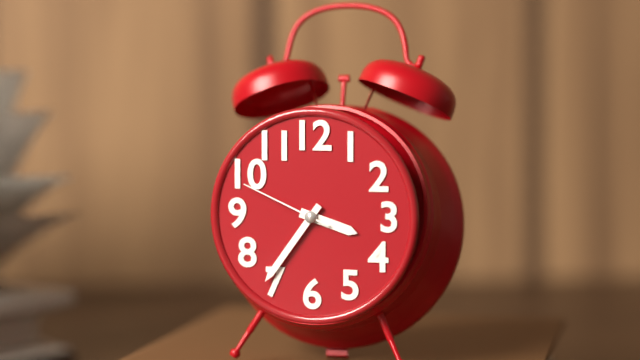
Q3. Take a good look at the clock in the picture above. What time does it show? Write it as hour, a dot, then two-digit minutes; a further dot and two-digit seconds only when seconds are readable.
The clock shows 3.36.49
